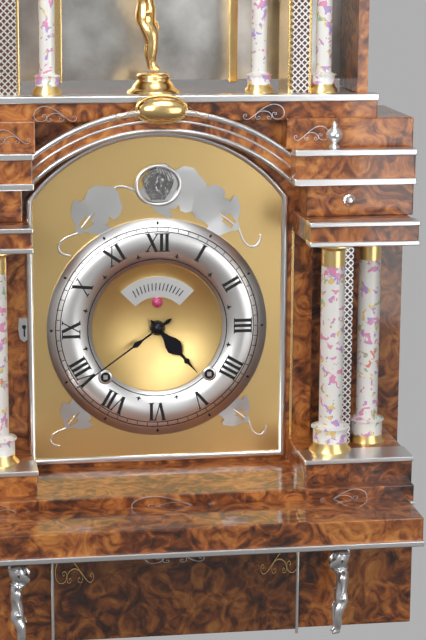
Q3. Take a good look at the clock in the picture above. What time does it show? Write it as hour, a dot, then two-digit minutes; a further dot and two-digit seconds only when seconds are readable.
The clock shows 4.39
